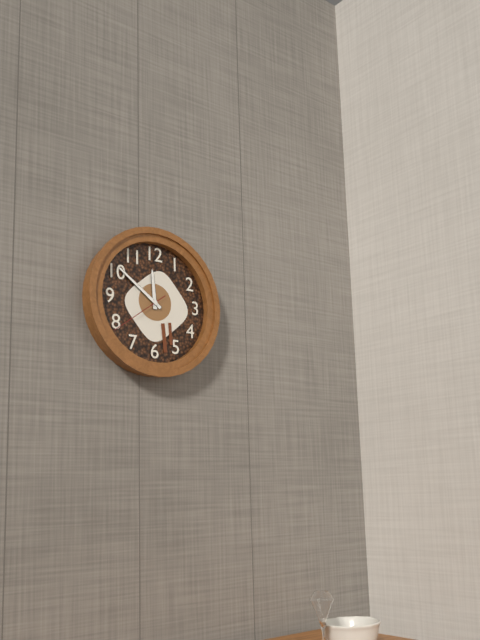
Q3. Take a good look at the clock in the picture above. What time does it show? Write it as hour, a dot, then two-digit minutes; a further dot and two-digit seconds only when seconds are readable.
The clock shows 11.51.39
